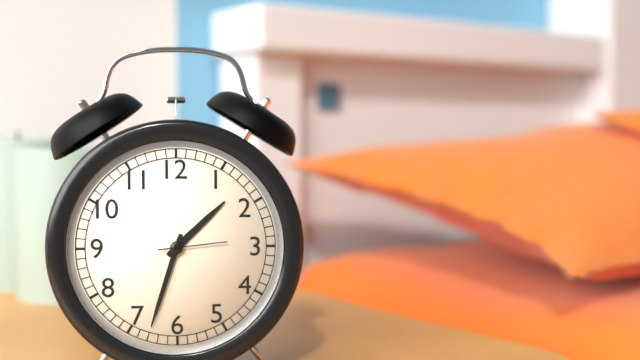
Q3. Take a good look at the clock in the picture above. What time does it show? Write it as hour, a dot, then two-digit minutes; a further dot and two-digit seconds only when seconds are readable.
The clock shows 1.33.14
